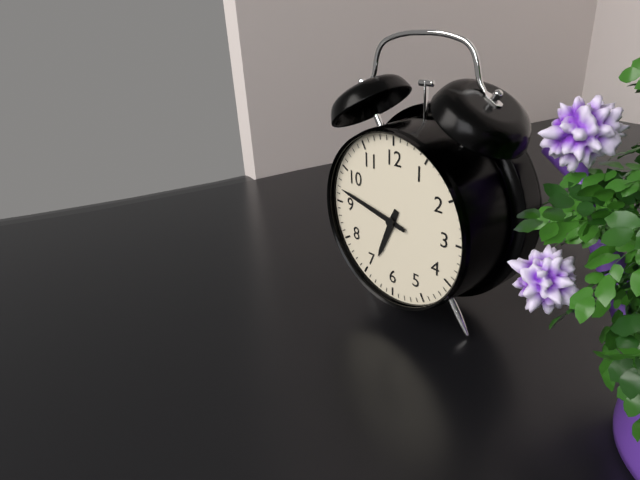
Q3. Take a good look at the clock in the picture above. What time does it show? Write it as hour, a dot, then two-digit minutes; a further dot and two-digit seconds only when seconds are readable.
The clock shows 6.47
